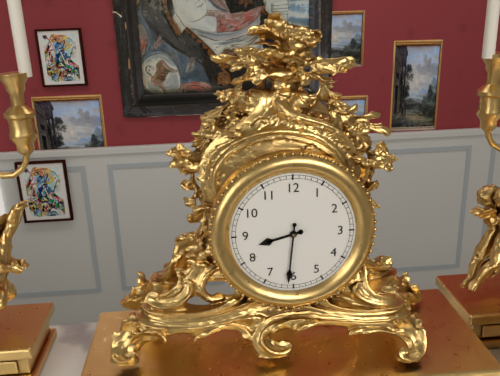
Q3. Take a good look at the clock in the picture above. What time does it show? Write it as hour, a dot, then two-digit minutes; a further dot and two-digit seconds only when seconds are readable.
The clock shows 8.31
